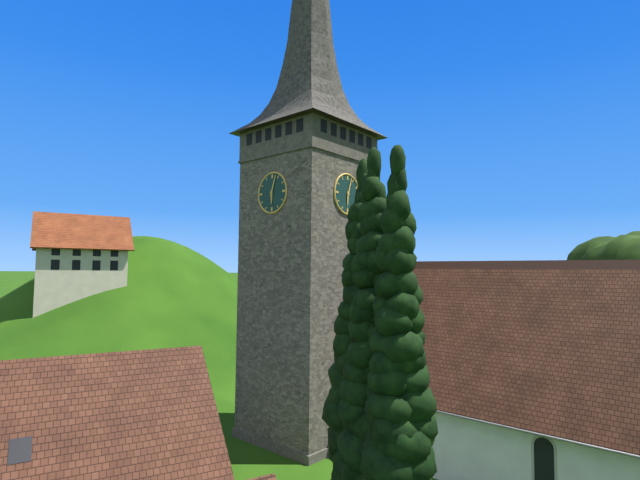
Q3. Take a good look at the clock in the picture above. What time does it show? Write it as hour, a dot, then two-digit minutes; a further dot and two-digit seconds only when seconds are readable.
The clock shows 6.03
